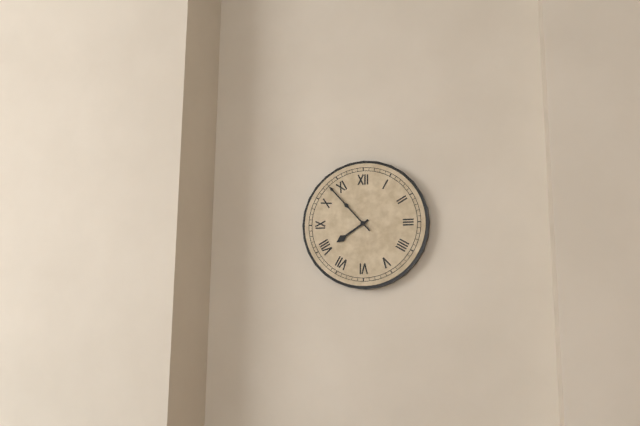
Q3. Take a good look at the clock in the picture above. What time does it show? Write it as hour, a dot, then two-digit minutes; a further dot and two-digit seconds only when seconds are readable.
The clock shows 7.53
